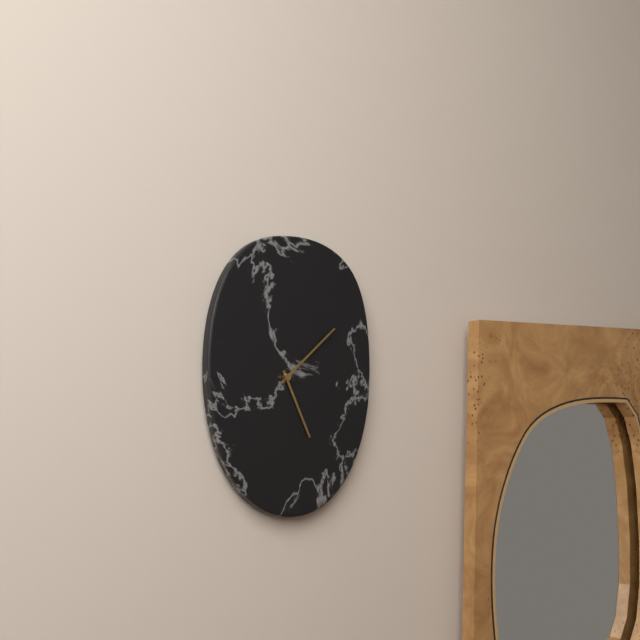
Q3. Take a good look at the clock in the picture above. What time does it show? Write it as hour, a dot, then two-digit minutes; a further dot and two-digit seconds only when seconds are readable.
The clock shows 5.08
